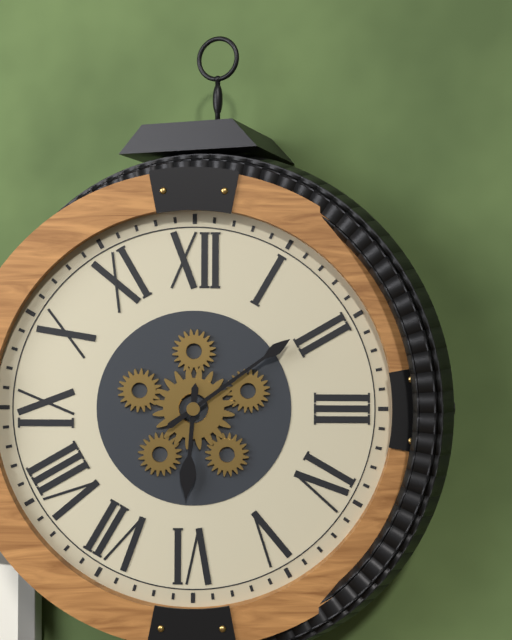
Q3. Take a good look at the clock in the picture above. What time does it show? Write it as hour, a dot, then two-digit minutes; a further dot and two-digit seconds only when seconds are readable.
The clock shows 6.09
